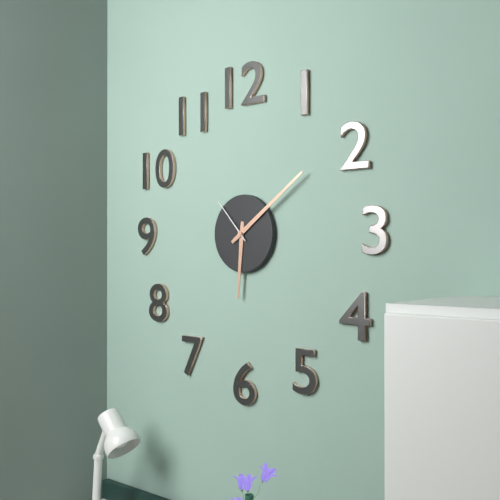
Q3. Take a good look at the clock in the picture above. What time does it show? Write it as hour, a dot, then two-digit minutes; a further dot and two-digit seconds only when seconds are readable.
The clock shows 6.09
